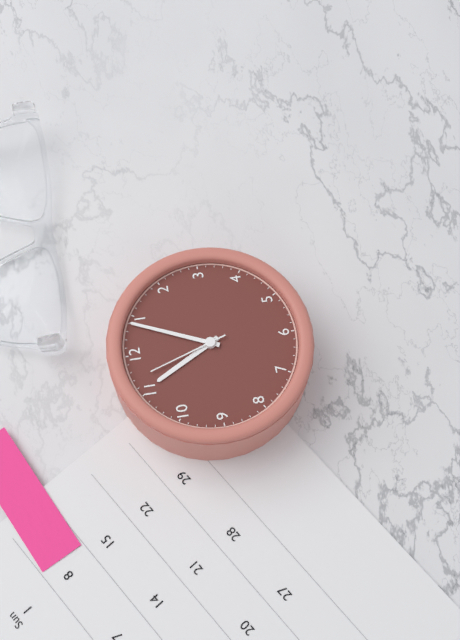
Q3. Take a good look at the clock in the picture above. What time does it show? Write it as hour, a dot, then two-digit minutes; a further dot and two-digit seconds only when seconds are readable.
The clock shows 11.04.57
